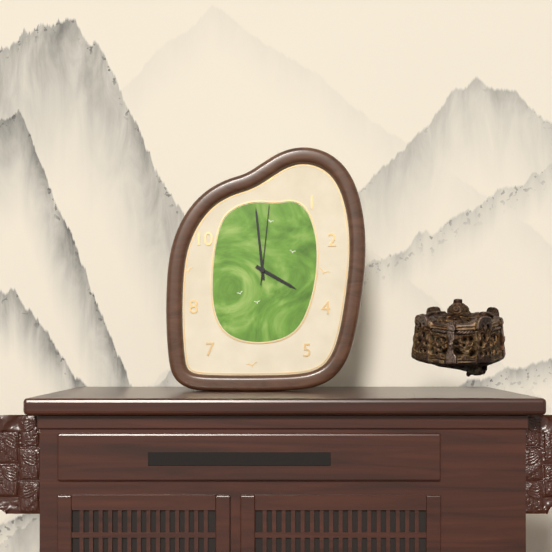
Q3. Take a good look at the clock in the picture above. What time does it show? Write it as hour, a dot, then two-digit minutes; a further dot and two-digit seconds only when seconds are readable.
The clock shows 3.59.01
